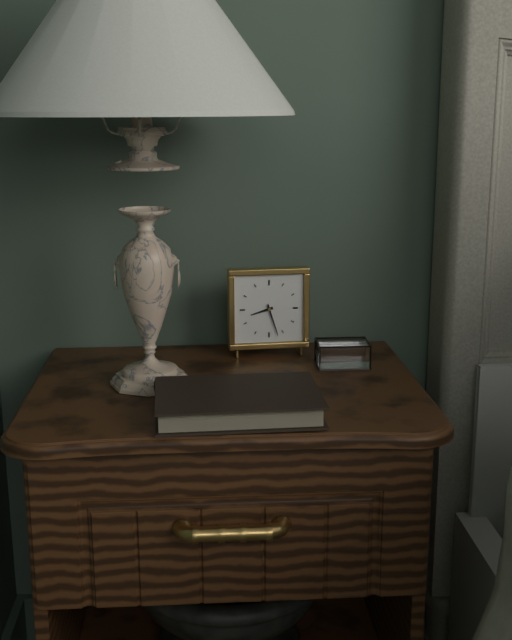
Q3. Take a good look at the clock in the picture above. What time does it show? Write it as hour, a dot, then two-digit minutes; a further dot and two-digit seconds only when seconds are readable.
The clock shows 8.27
